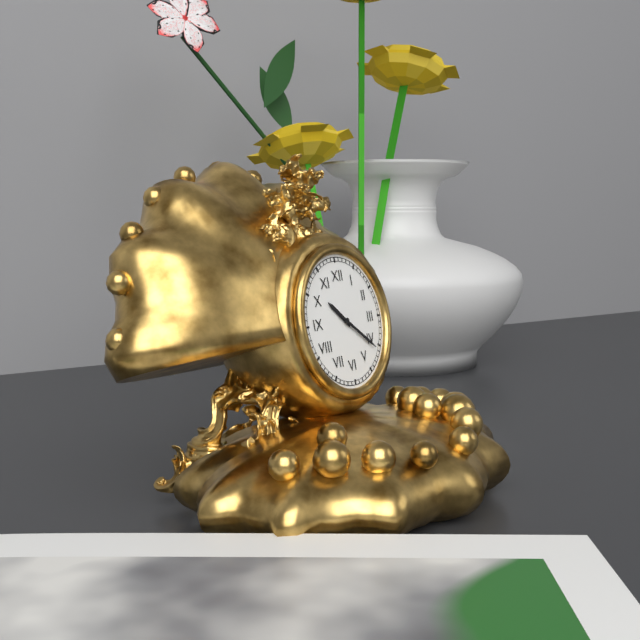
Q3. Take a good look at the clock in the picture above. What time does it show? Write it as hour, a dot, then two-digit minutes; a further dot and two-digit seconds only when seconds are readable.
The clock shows 10.21
